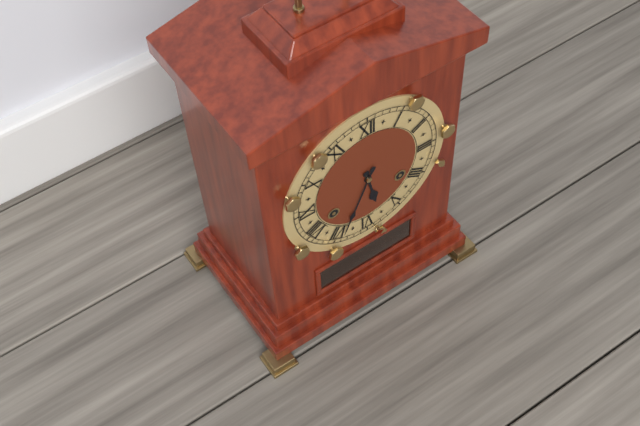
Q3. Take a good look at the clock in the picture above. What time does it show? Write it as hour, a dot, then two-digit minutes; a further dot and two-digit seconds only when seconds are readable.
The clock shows 5.34
